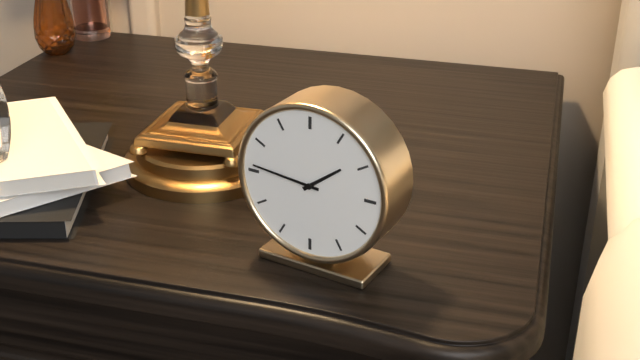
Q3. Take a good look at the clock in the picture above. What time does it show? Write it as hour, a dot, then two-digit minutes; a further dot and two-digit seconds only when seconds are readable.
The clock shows 1.46
